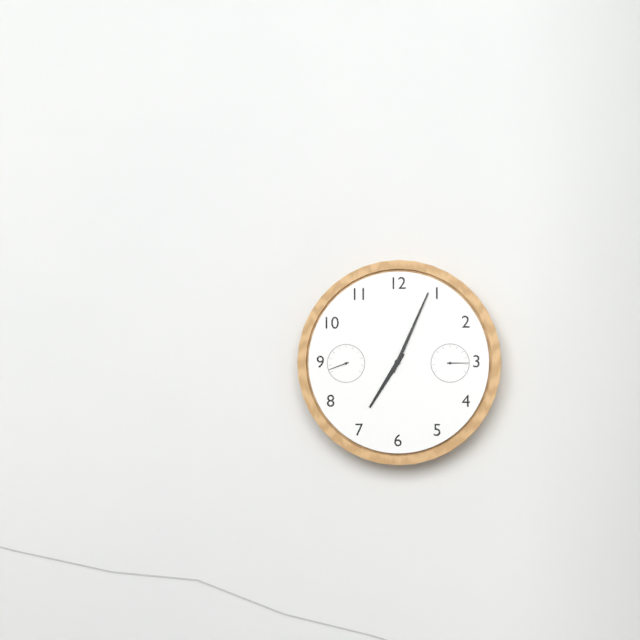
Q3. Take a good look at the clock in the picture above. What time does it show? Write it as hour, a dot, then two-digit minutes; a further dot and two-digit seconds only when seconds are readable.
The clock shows 7.04
